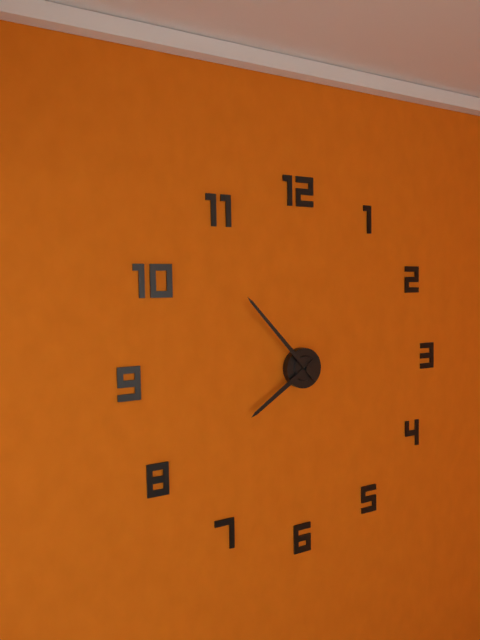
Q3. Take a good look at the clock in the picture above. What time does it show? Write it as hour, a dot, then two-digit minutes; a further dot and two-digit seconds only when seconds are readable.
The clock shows 7.53
